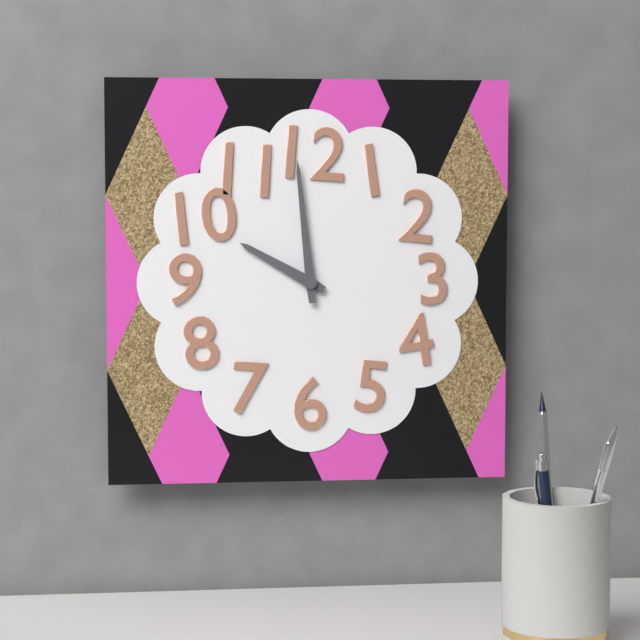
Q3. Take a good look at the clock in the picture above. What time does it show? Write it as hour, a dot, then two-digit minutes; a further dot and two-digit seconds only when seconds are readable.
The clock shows 9.59
